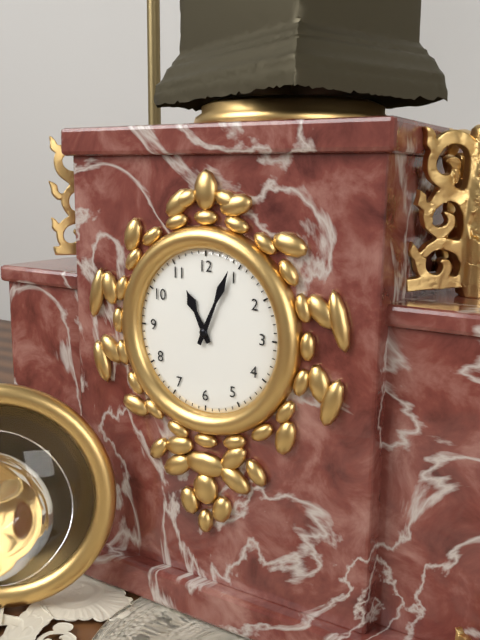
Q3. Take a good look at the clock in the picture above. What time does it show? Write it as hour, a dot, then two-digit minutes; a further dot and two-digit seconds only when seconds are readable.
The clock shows 11.04
